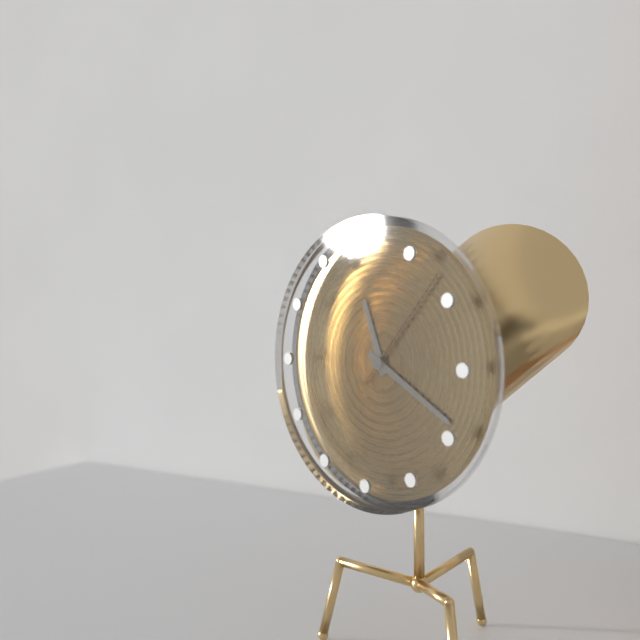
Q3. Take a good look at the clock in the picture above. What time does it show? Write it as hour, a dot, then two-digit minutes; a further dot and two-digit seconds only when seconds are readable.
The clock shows 11.20.07
